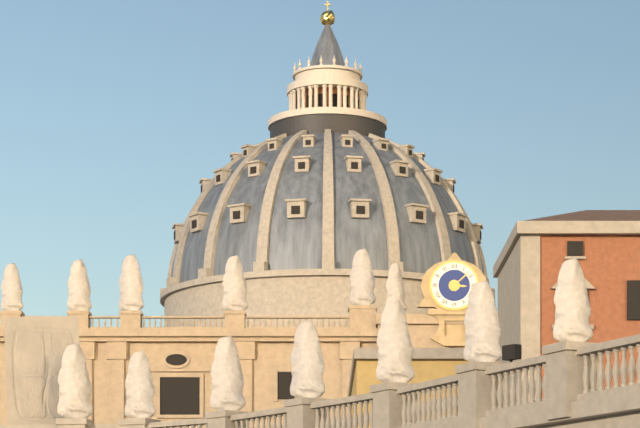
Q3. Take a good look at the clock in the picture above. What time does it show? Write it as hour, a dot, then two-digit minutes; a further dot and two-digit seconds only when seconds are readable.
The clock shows 3.08
